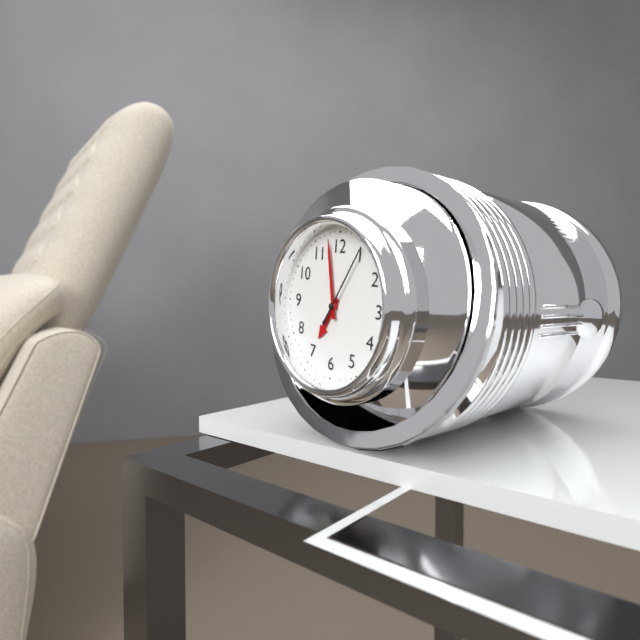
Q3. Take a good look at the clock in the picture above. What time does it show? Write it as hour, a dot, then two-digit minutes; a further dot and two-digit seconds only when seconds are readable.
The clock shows 6.58.05
